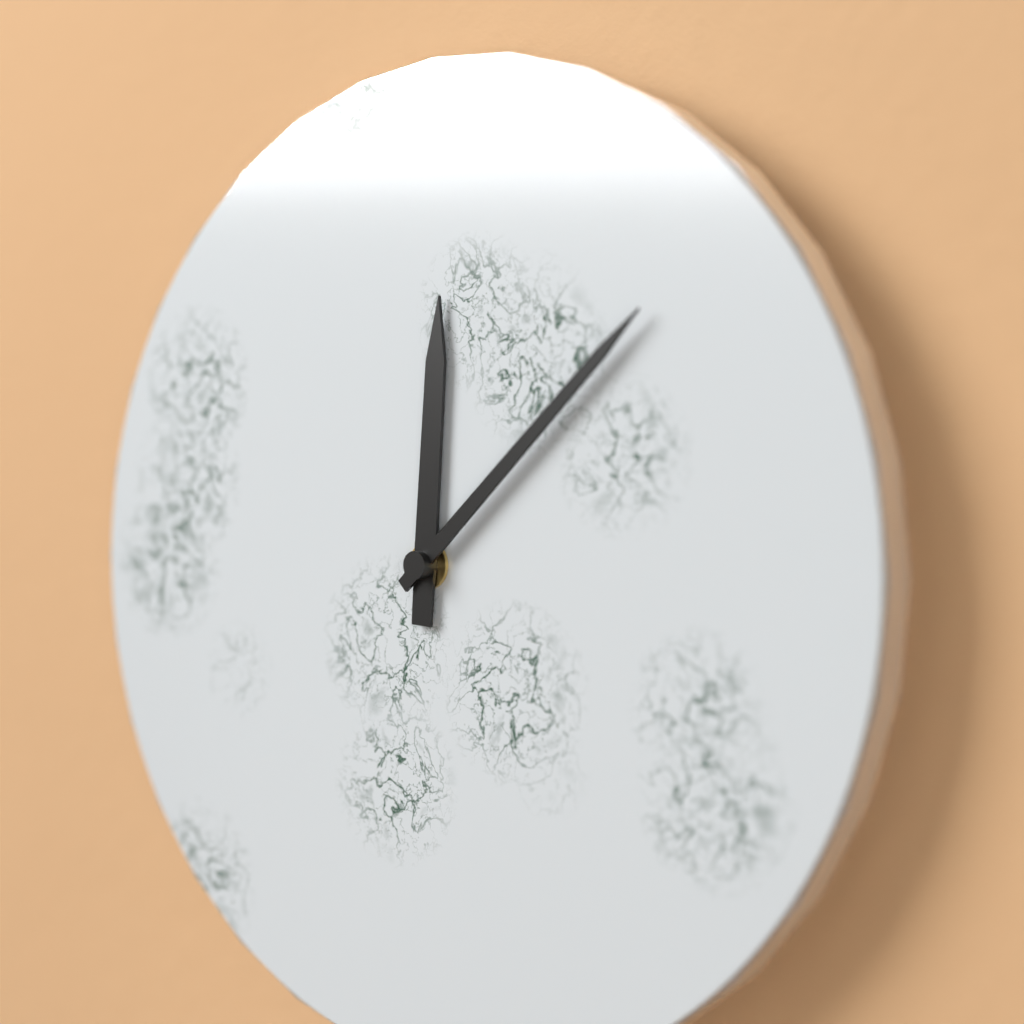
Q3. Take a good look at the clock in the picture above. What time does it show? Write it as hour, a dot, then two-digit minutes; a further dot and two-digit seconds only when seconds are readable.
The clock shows 12.08
